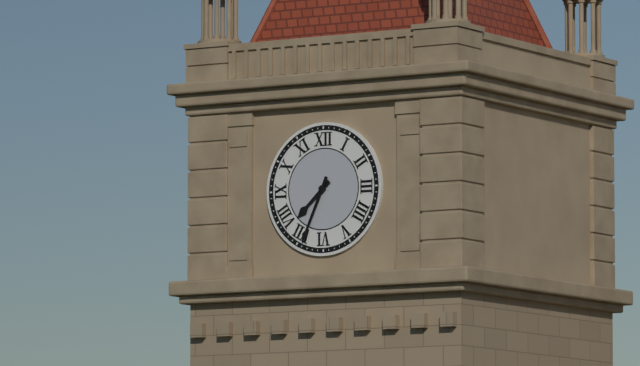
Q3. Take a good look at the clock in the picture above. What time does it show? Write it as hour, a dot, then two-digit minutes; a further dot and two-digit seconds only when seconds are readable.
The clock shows 7.34
